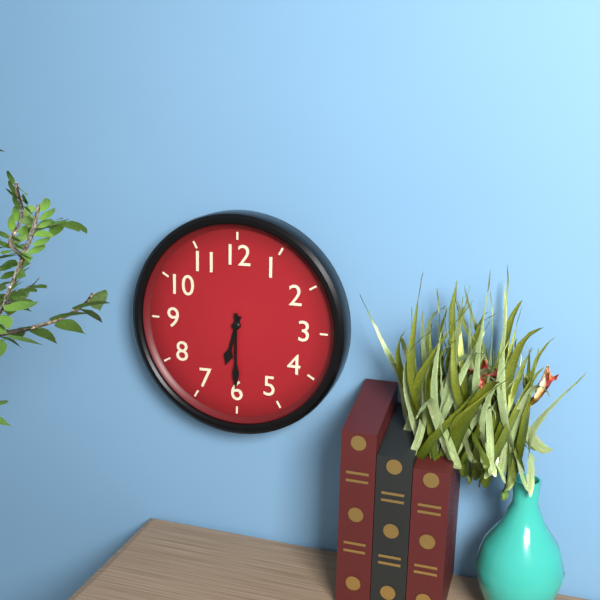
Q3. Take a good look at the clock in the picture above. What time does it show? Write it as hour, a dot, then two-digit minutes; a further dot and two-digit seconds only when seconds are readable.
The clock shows 6.30
